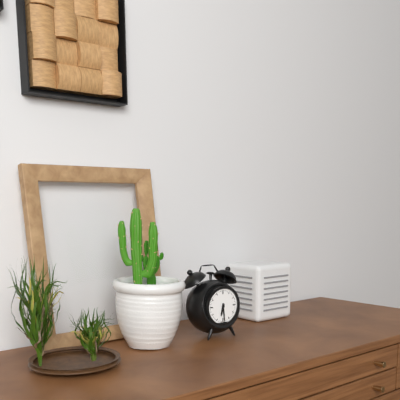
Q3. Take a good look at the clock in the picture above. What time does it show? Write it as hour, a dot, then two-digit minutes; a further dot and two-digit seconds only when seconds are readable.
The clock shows 6.29
